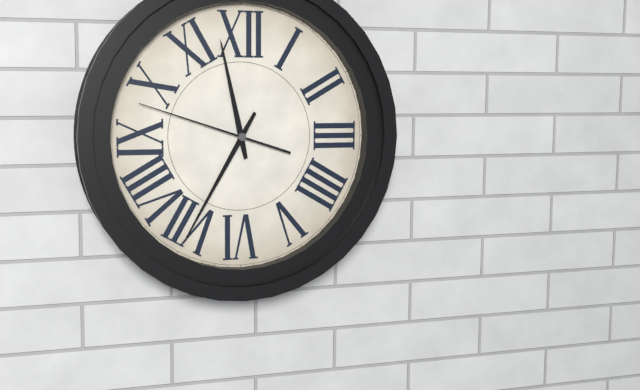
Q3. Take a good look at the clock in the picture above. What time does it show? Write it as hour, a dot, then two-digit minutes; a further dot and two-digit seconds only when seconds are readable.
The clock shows 11.35.48
